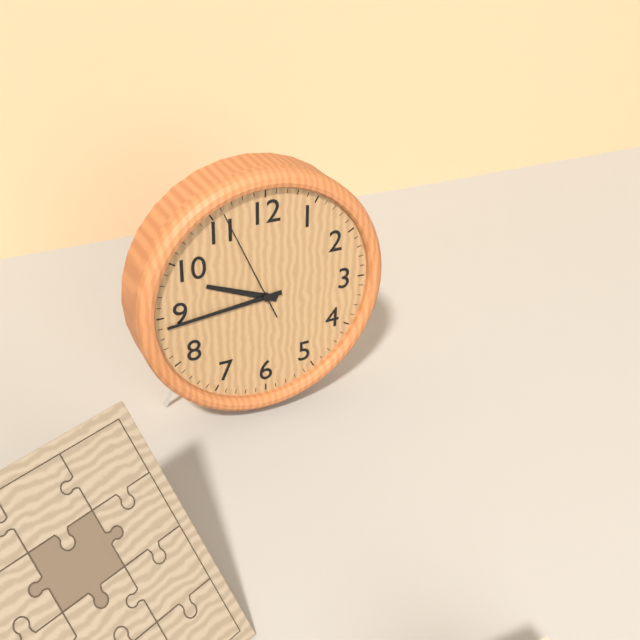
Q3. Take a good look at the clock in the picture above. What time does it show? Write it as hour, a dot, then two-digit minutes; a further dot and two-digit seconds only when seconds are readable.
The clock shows 9.44.56
